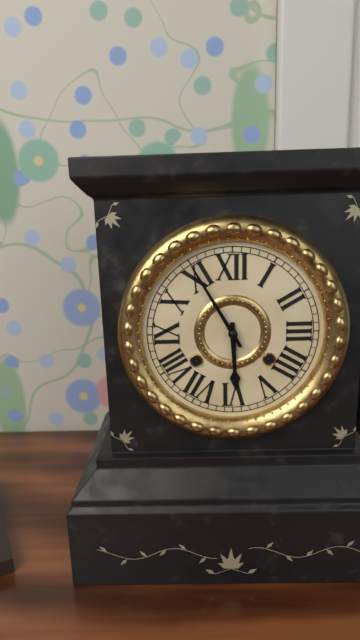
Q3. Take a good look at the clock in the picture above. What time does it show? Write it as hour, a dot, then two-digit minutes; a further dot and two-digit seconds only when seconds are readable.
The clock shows 5.55
